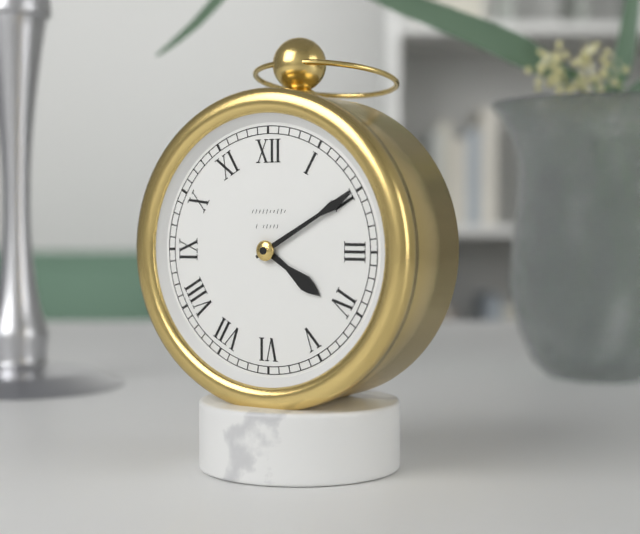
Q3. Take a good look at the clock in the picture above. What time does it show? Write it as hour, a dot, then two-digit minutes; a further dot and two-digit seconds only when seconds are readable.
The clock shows 4.10
